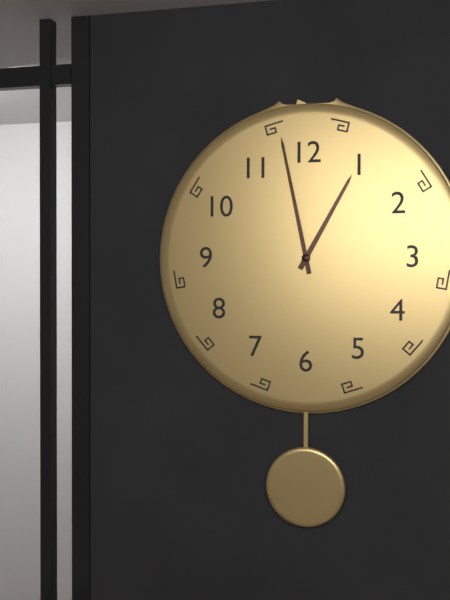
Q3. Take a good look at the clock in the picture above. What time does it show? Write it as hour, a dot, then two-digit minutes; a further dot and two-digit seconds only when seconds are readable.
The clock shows 12.58
